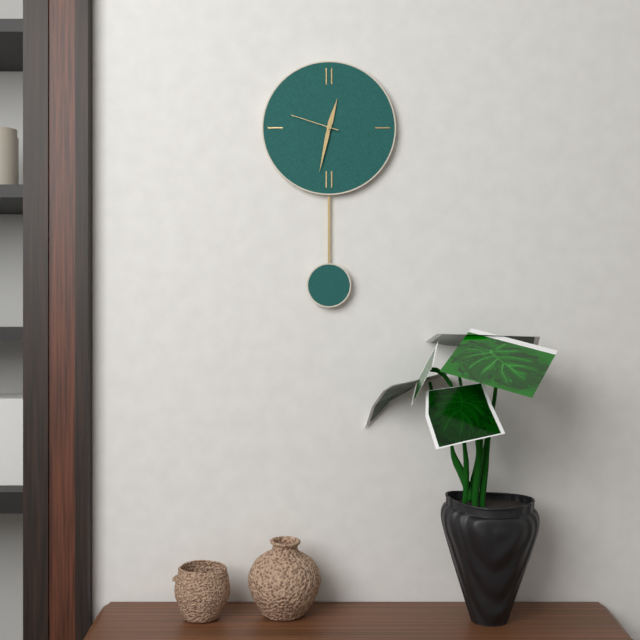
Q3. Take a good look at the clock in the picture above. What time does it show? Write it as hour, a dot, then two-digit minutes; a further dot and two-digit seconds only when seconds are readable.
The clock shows 12.32.48
